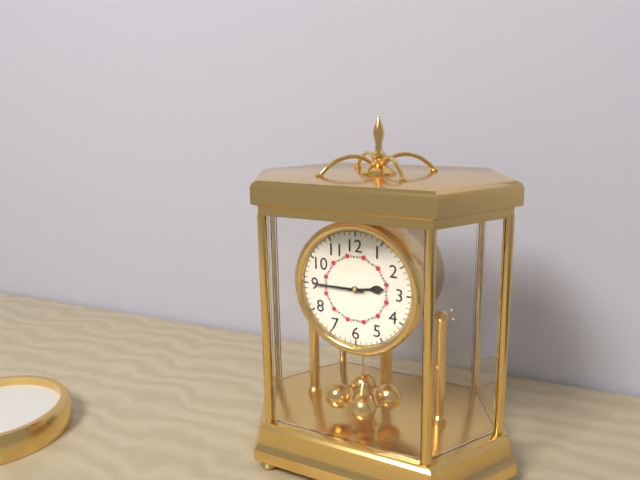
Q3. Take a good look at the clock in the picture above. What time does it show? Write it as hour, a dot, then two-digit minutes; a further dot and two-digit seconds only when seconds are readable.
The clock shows 2.45
